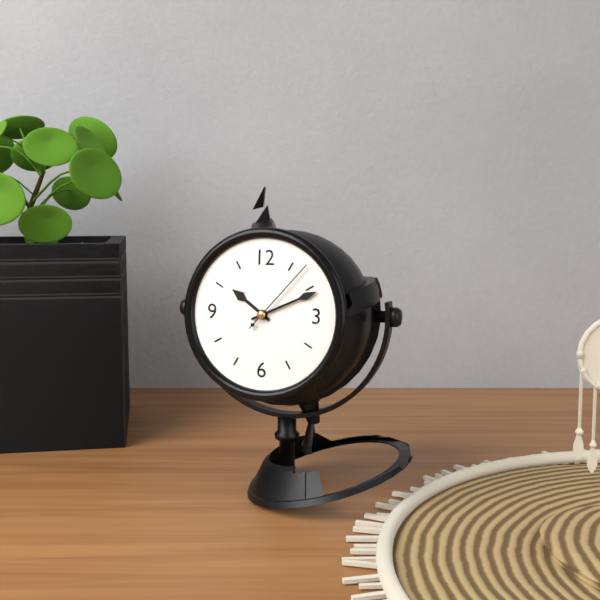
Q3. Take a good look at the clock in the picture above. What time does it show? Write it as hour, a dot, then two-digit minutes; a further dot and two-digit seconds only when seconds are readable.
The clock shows 10.11.07
